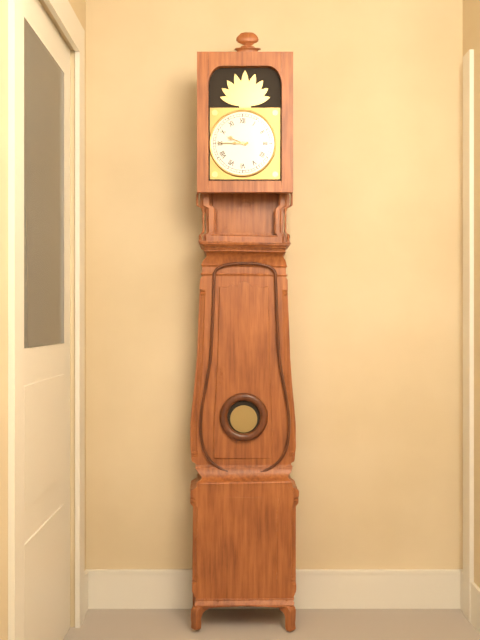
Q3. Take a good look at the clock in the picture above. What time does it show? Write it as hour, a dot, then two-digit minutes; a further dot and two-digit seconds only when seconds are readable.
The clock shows 9.45
